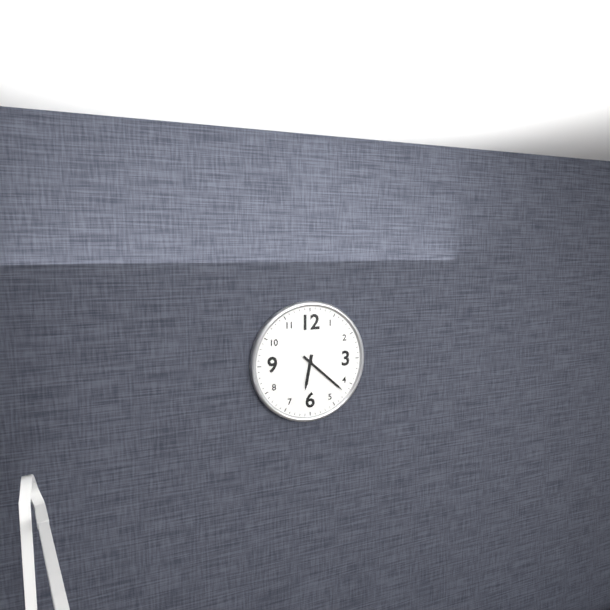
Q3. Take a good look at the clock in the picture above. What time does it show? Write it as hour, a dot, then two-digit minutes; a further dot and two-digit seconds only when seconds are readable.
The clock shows 6.22
